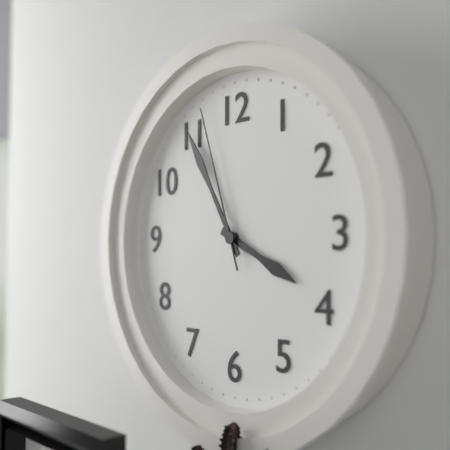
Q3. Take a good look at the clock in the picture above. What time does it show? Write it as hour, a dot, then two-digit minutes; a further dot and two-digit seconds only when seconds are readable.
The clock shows 3.55.57
